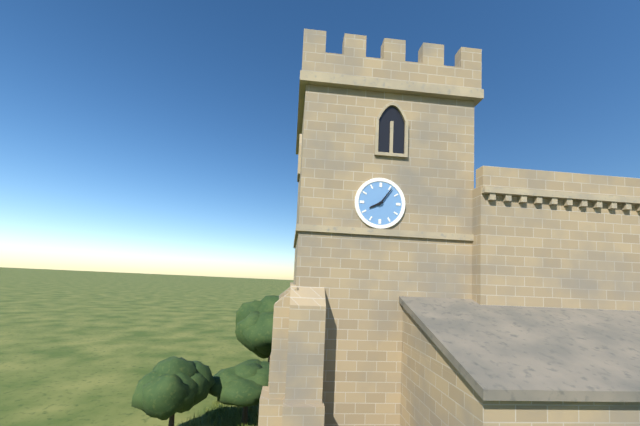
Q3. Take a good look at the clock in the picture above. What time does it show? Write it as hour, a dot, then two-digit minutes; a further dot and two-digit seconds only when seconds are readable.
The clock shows 8.06
